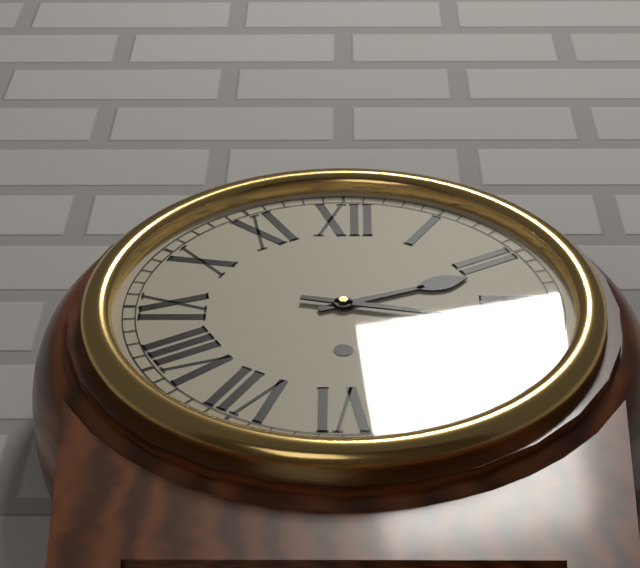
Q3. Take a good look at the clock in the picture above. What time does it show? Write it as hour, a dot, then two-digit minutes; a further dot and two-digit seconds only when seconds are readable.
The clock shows 2.17
